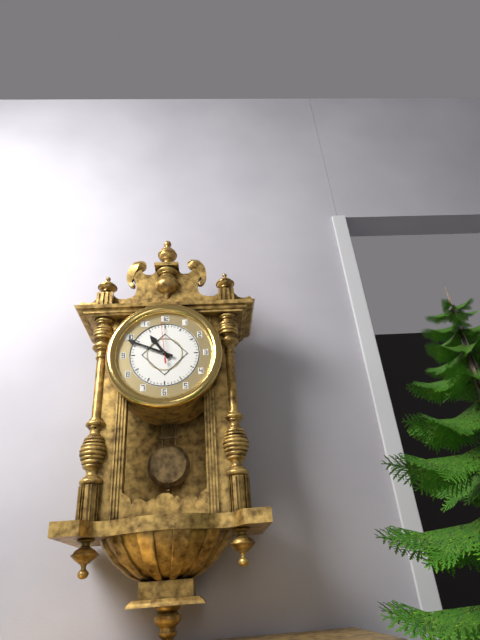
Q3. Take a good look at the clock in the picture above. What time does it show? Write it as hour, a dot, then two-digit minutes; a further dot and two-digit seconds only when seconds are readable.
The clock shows 10.49
